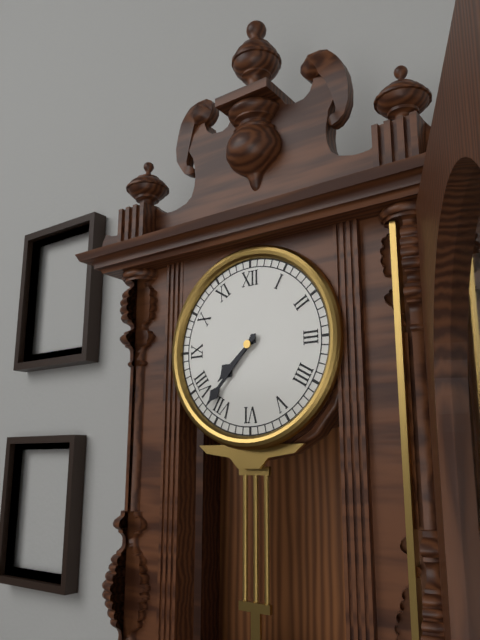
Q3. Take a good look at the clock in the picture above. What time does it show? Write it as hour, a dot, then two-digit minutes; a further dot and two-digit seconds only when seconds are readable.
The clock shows 7.37
